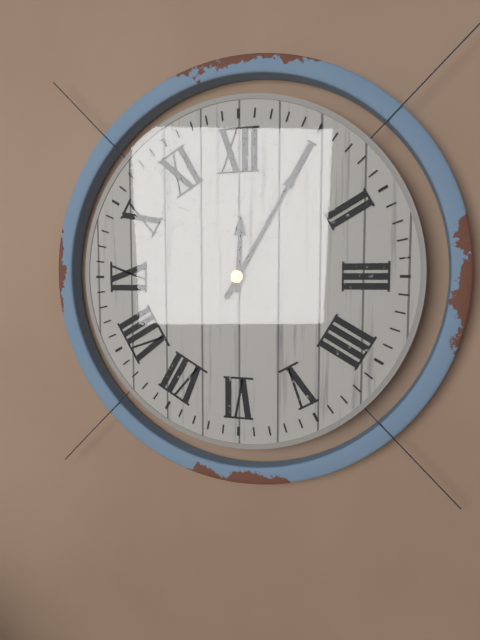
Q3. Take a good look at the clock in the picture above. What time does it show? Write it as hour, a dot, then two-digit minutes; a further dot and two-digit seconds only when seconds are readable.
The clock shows 12.05
